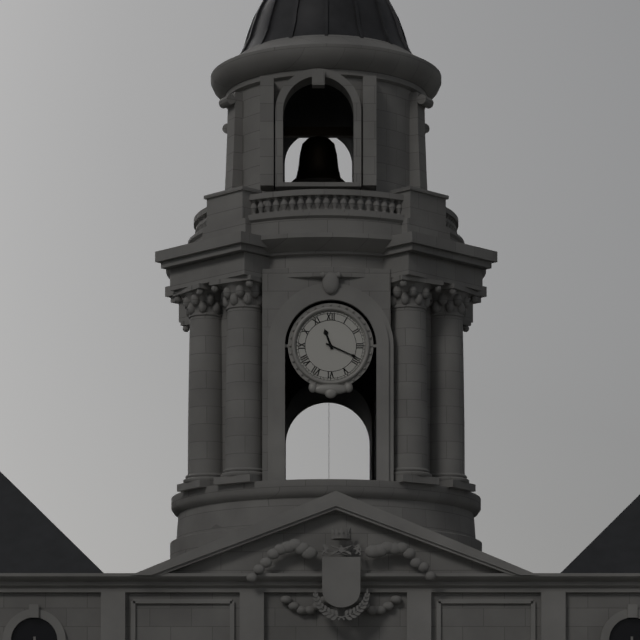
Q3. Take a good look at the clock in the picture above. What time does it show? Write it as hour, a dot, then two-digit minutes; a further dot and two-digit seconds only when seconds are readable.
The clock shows 11.19
